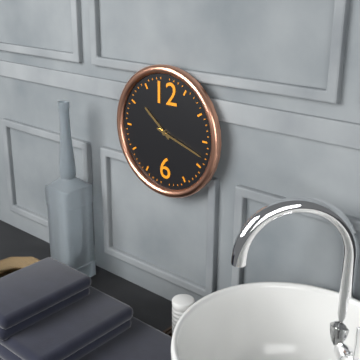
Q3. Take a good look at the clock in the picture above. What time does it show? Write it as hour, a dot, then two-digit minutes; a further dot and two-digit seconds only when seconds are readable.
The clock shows 10.18
